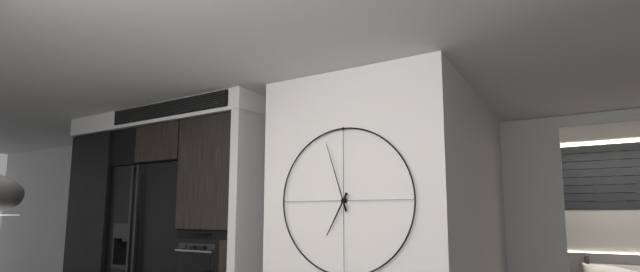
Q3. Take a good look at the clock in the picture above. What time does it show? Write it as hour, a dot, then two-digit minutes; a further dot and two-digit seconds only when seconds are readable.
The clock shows 6.57
